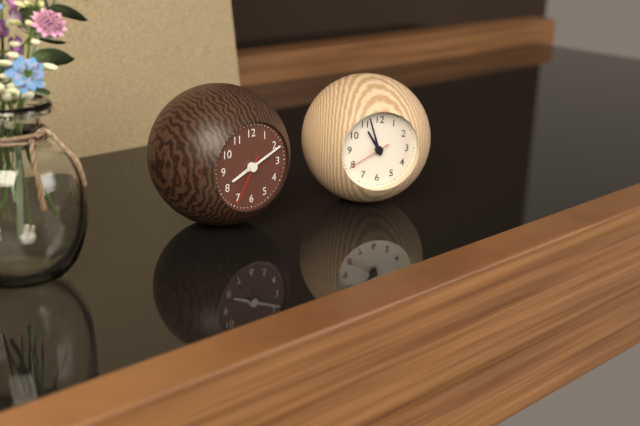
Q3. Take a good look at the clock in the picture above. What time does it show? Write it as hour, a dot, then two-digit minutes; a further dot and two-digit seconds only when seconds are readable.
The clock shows 8.11.35
